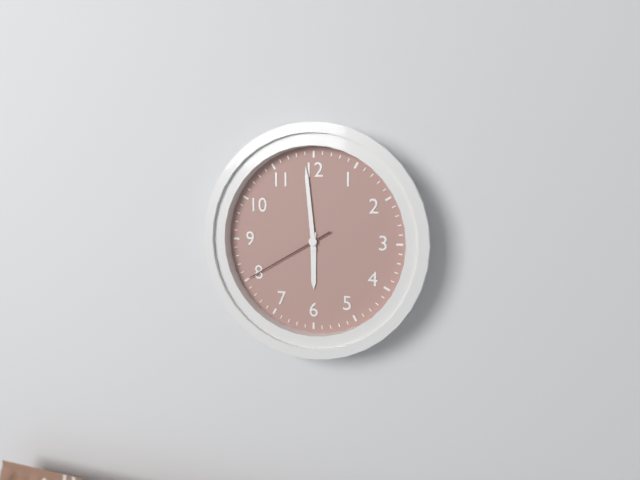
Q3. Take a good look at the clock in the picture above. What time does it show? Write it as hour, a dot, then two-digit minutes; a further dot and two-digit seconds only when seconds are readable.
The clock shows 5.59.40
